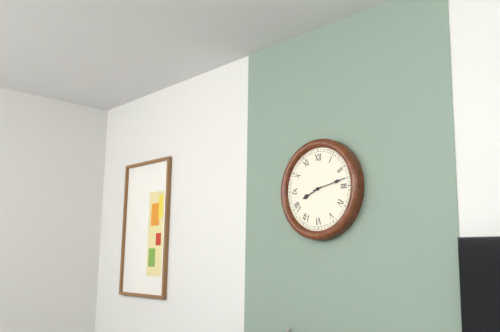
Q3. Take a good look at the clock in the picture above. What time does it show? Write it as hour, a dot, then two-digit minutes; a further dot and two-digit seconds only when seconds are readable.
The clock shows 8.13
